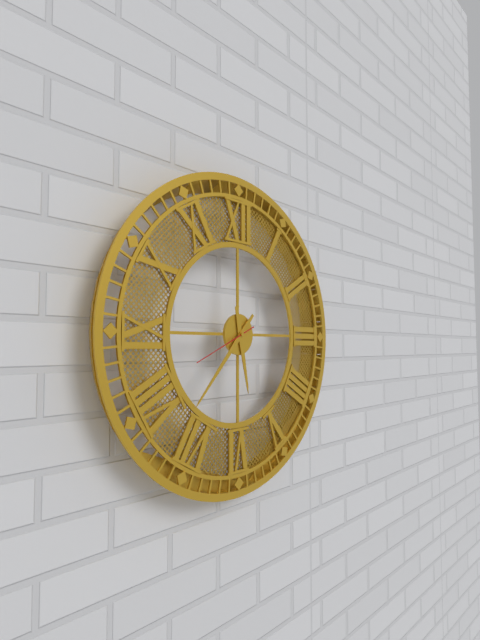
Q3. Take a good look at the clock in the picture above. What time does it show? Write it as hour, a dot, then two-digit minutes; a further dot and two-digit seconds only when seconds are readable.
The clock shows 5.37
